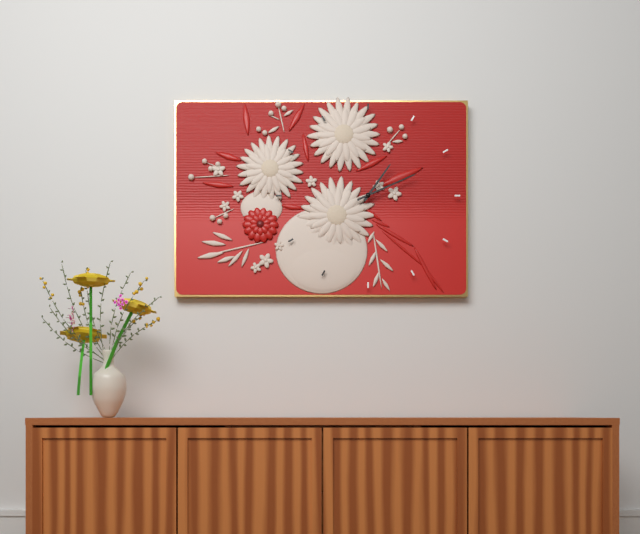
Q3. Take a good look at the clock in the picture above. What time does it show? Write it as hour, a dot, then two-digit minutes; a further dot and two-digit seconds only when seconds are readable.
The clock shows 1.11
